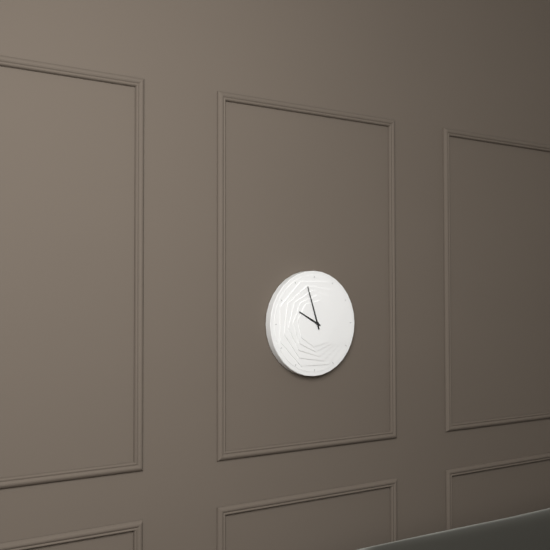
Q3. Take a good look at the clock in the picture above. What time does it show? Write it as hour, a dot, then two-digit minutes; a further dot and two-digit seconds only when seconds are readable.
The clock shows 9.57
